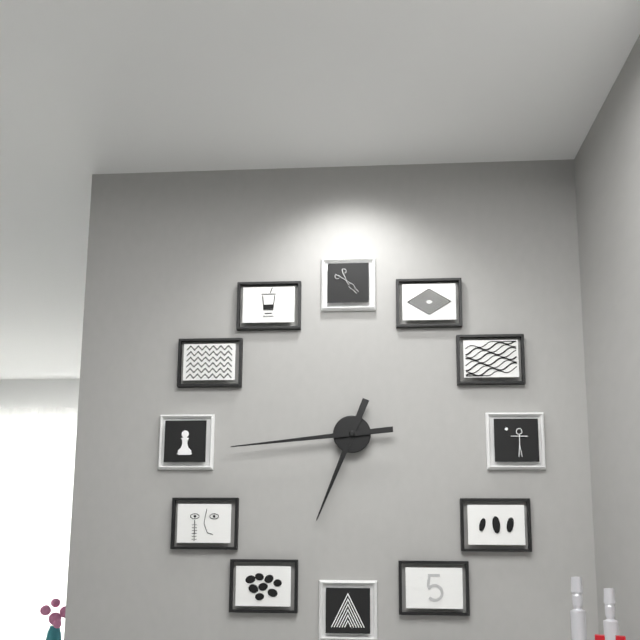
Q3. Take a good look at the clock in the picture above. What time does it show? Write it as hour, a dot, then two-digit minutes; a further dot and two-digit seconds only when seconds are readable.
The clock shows 6.44
